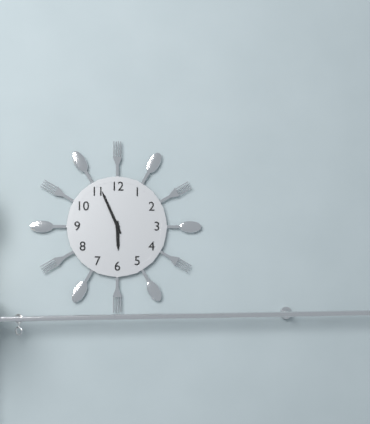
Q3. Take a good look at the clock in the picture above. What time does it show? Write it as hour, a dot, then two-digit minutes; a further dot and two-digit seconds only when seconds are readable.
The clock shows 5.56
